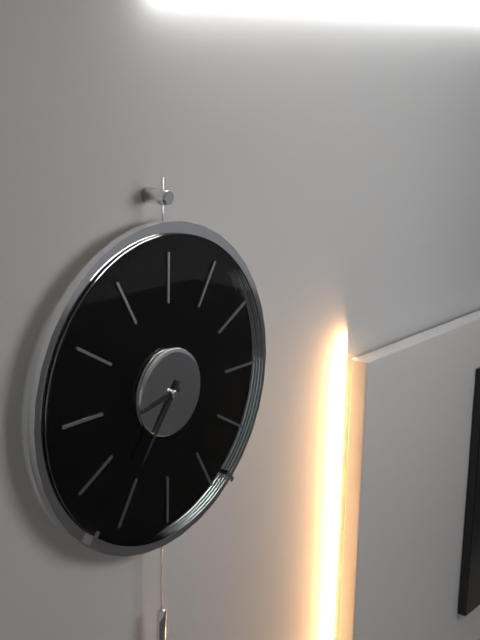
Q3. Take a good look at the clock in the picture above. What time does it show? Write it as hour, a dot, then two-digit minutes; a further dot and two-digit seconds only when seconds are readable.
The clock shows 8.36
